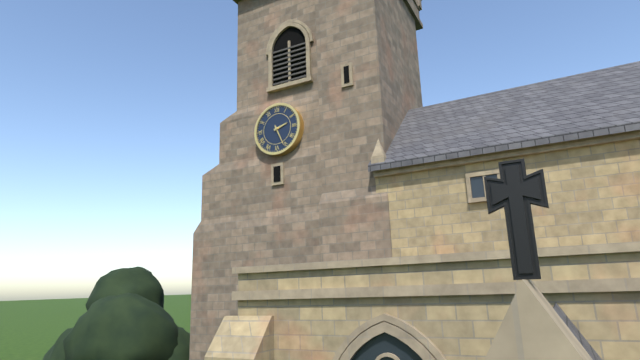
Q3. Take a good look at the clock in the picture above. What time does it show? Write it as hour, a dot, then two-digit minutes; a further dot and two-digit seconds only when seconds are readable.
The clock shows 2.26
